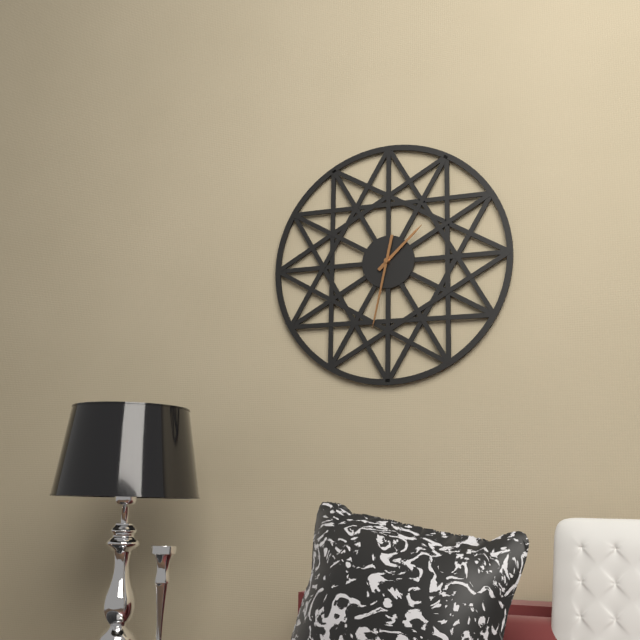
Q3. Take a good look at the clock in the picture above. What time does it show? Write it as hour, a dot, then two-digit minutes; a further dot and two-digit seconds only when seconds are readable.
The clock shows 1.32
